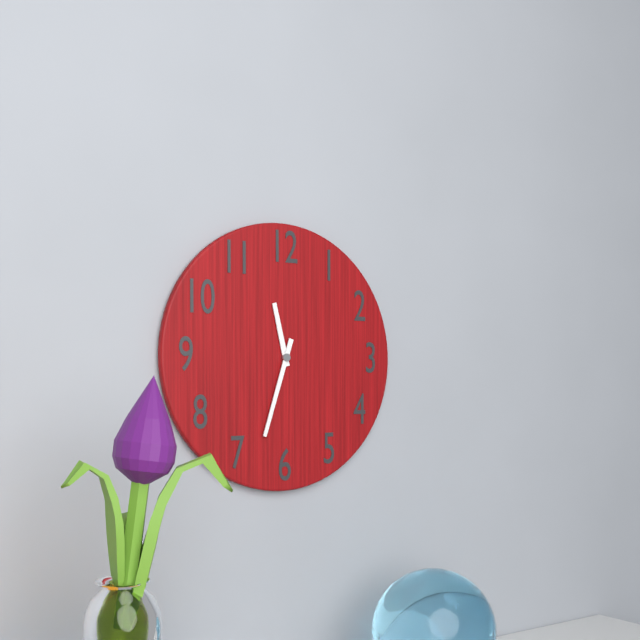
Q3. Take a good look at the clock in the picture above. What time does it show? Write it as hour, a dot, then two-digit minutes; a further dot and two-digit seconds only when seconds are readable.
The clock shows 11.33
